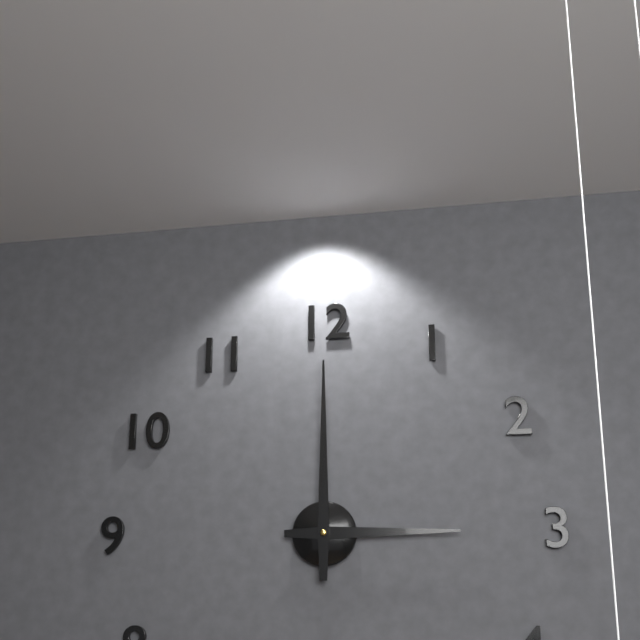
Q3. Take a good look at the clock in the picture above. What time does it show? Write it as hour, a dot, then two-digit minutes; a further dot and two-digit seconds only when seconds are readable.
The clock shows 3.00
